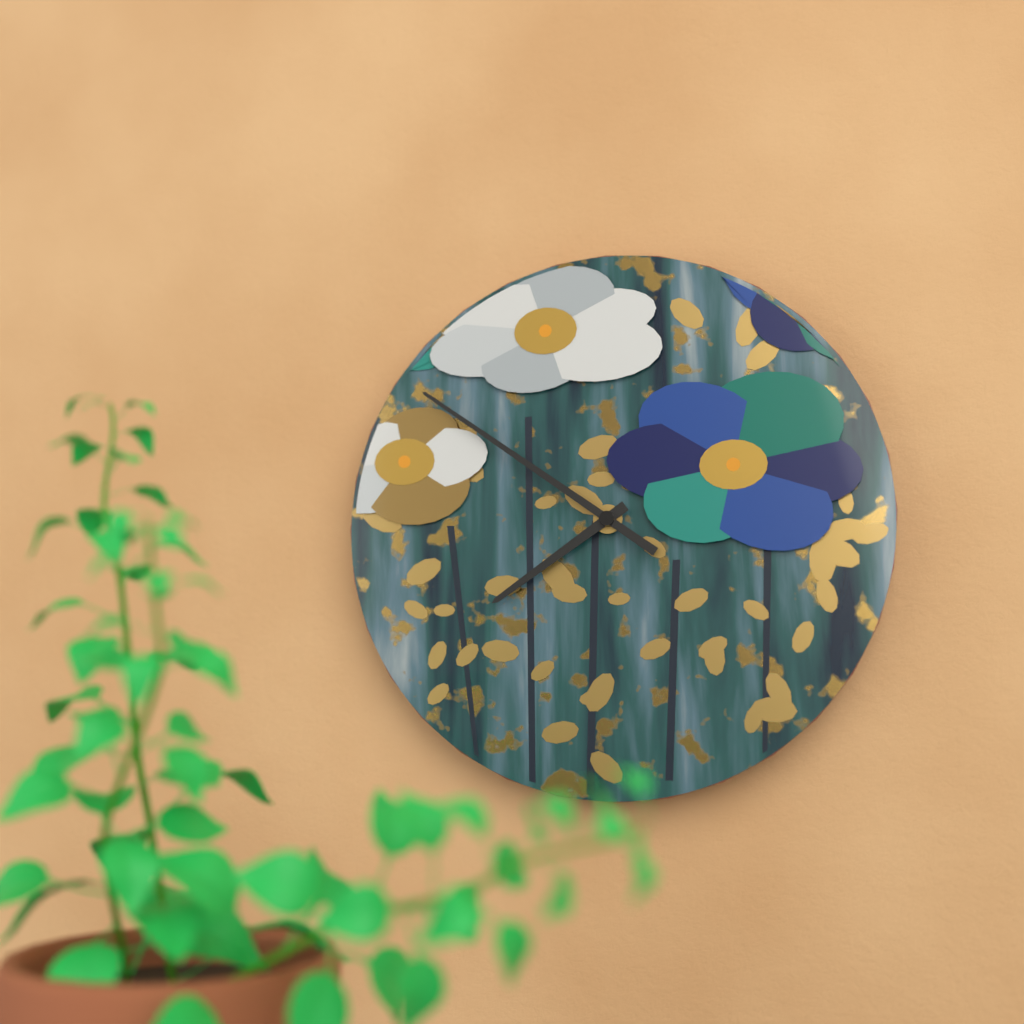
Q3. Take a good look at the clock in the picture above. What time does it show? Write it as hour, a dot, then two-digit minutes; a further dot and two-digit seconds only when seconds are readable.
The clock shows 7.51
